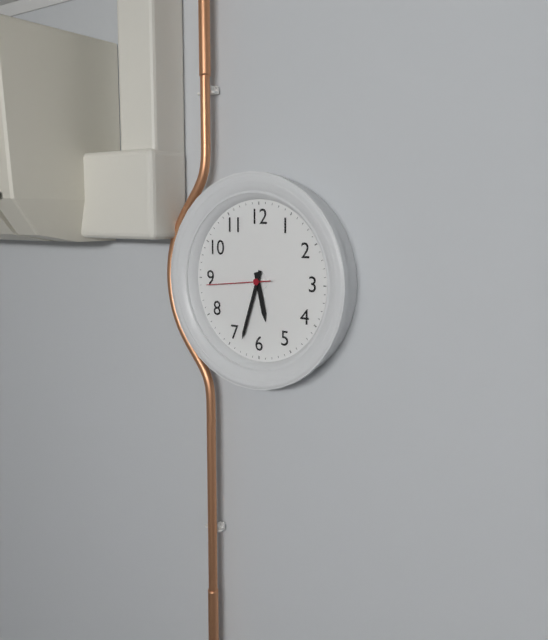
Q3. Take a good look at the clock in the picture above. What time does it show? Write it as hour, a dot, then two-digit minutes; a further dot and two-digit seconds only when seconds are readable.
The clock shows 5.33.44
